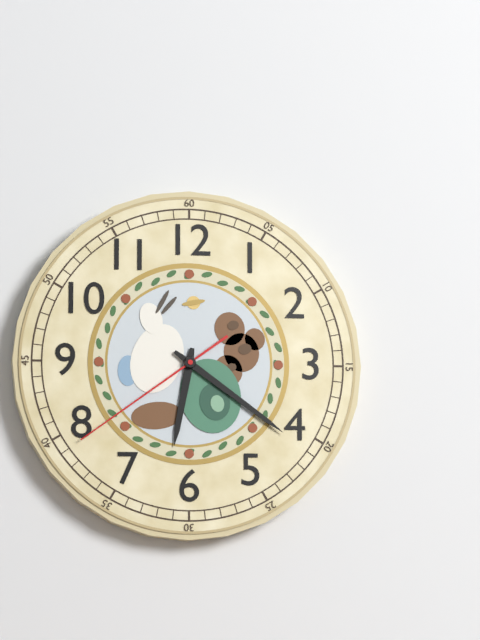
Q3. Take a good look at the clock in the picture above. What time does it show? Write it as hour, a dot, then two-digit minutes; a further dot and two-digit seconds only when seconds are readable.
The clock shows 6.21.39
